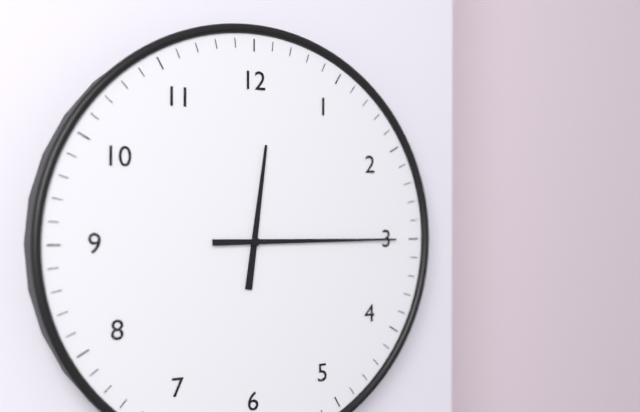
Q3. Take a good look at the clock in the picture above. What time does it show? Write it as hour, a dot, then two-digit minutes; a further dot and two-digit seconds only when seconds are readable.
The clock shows 12.15
